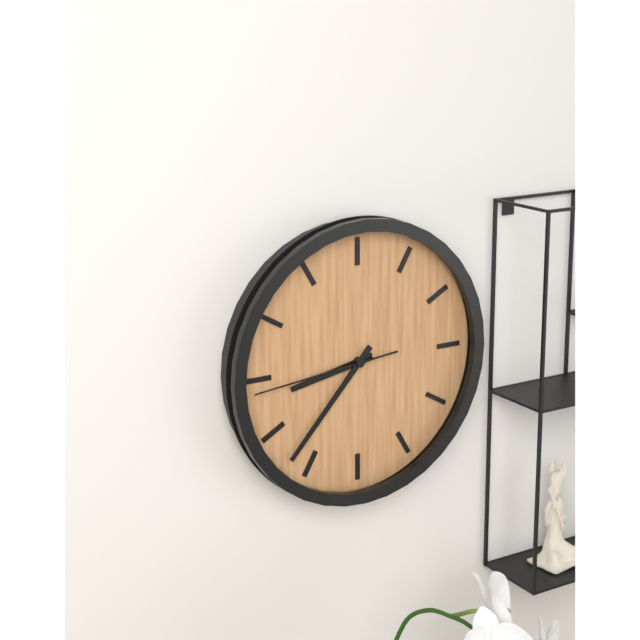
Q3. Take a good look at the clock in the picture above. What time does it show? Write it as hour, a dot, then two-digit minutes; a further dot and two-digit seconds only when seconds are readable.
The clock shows 8.37.44
